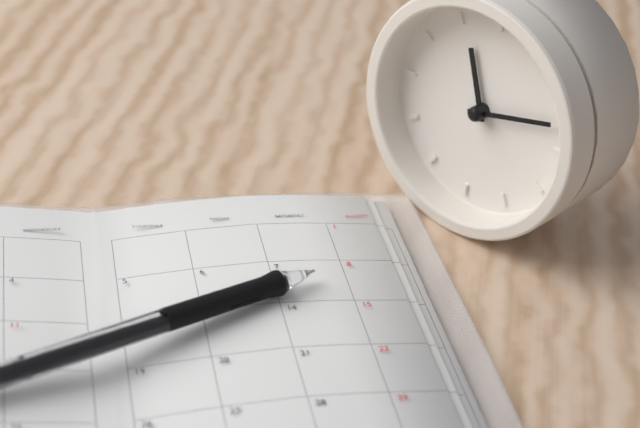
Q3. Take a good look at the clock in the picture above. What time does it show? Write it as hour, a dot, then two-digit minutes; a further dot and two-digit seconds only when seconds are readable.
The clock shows 11.12
